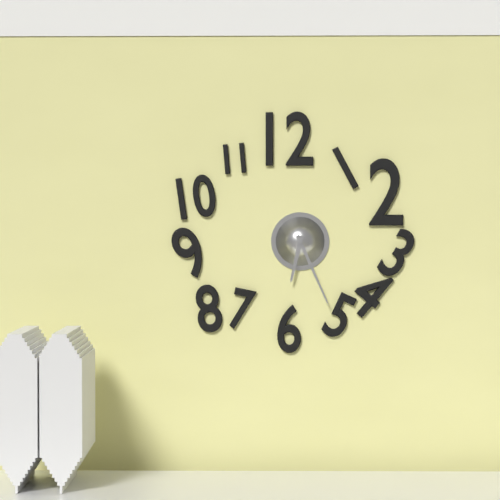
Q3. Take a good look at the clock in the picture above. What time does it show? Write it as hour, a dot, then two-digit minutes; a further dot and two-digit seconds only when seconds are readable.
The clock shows 6.26
